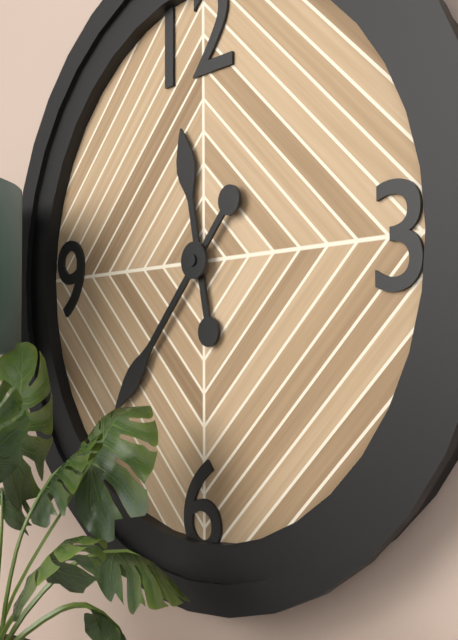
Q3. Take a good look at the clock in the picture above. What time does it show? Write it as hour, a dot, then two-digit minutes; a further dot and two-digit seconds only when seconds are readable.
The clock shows 11.37
